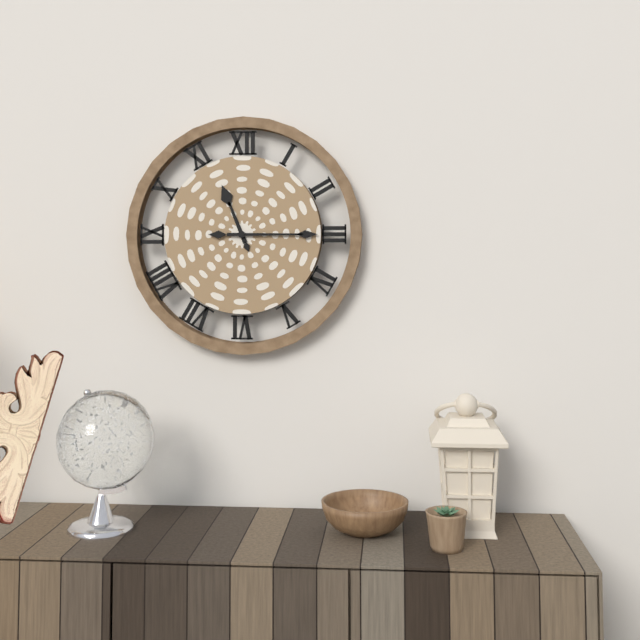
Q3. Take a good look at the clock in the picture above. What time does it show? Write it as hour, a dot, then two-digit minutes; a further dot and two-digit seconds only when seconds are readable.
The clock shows 11.15
